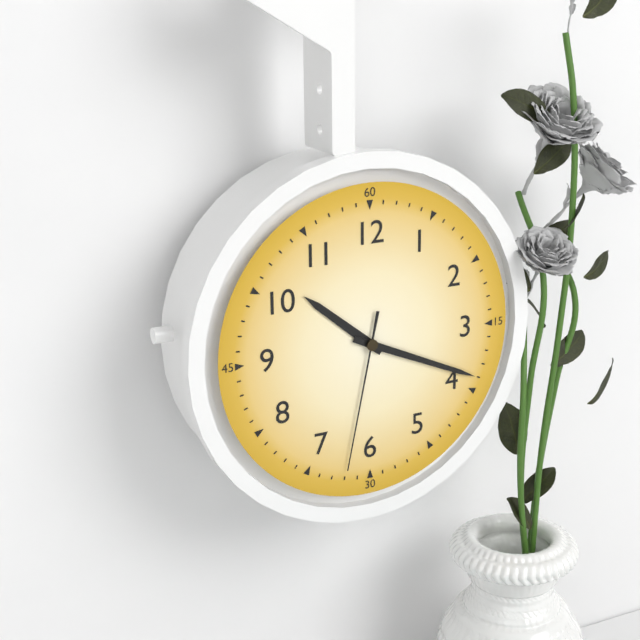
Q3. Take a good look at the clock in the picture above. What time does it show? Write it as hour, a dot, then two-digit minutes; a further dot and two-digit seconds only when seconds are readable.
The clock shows 10.19.32
